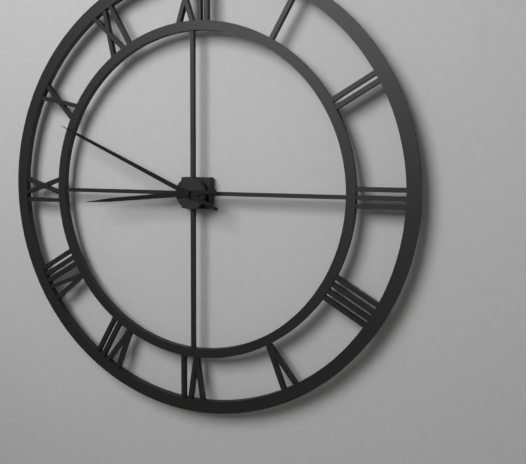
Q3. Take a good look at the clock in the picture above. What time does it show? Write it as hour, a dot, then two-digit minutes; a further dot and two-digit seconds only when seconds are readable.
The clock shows 8.49
